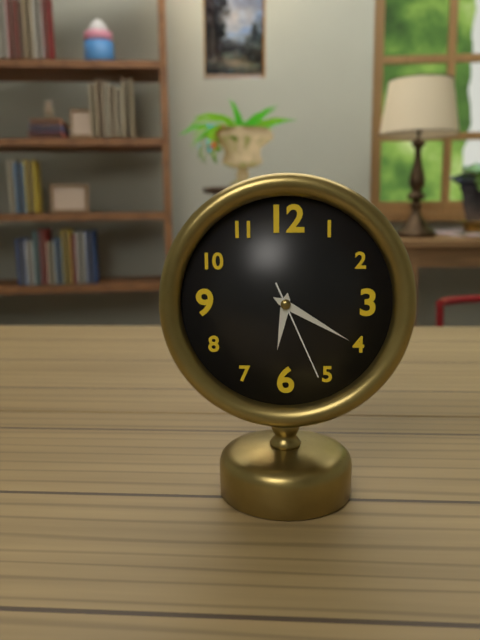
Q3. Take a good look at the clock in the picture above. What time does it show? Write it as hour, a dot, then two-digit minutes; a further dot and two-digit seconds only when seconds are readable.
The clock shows 6.20.26
